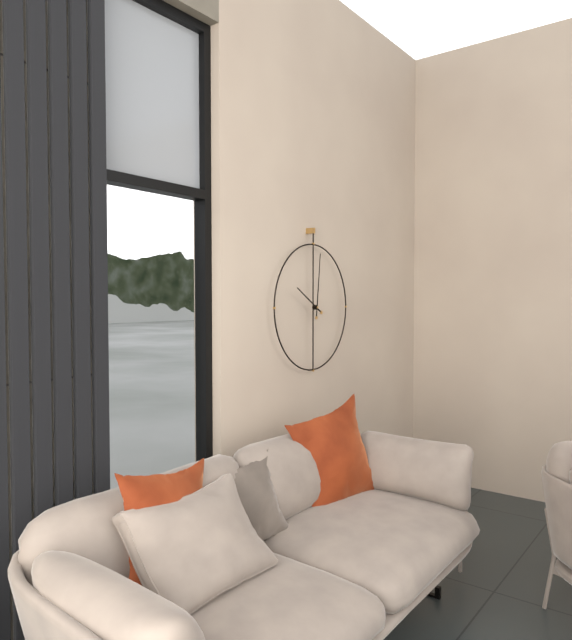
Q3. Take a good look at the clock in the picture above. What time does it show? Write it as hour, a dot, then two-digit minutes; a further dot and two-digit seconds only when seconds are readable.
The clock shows 10.01
